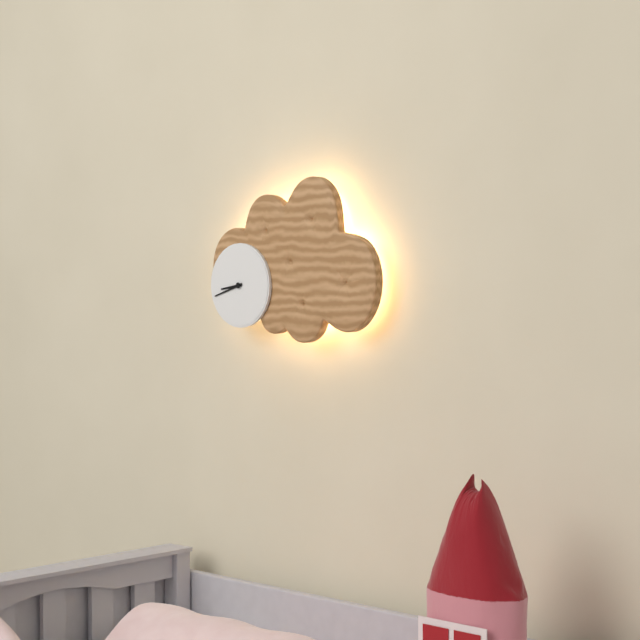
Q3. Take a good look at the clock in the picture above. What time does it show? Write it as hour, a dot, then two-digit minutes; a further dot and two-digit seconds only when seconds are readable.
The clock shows 8.42
